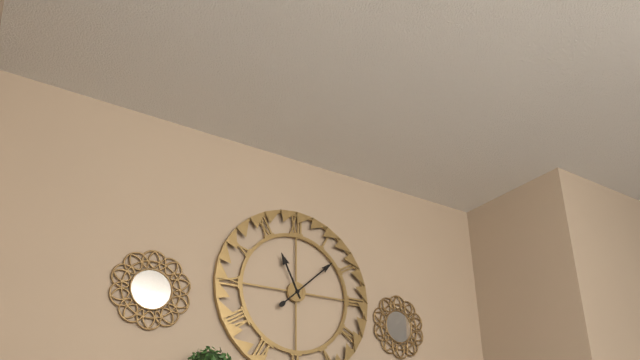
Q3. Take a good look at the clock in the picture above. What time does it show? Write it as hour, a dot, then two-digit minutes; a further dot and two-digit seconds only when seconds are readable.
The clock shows 11.08
